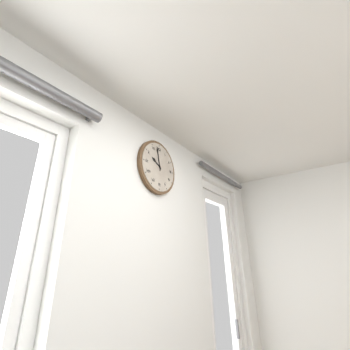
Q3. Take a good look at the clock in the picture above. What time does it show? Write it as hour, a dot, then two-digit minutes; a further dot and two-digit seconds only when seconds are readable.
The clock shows 9.58
